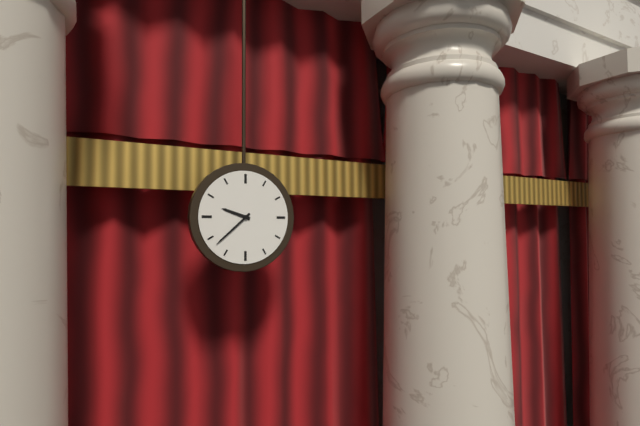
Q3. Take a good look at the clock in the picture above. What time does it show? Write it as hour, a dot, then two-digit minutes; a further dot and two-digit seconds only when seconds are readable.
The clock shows 9.38
